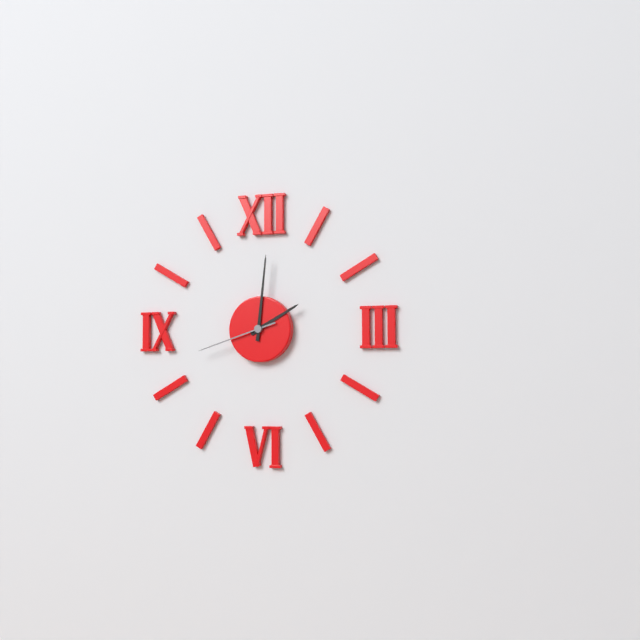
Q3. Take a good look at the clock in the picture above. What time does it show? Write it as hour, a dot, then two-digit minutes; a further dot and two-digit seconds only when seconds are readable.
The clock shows 2.01.42
